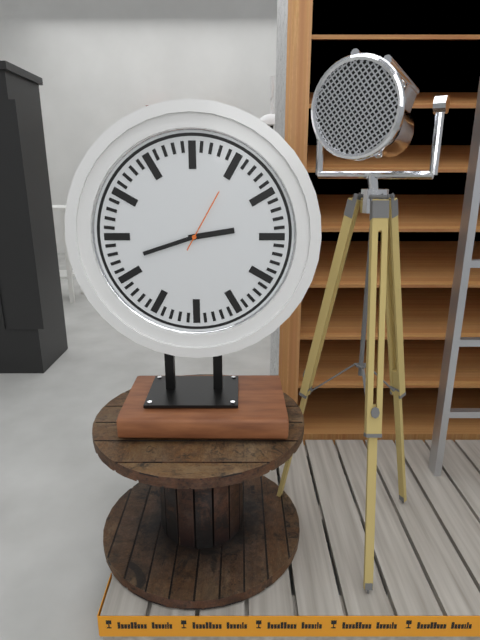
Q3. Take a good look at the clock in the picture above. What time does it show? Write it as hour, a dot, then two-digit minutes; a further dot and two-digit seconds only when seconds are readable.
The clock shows 2.42.05
